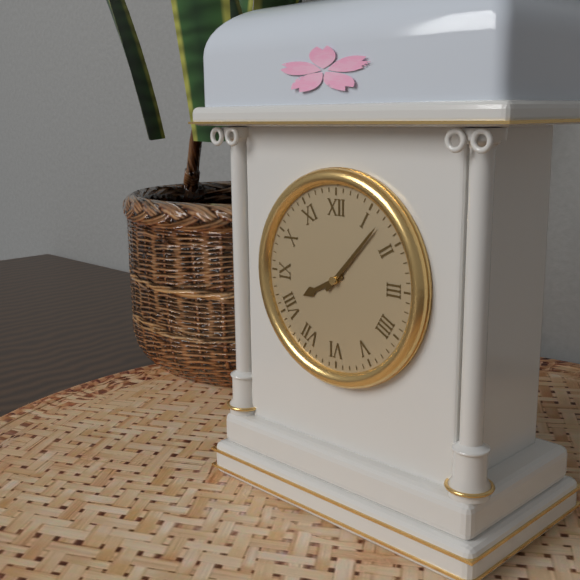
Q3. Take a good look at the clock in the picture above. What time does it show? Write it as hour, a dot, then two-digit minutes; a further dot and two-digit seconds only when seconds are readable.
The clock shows 8.07
